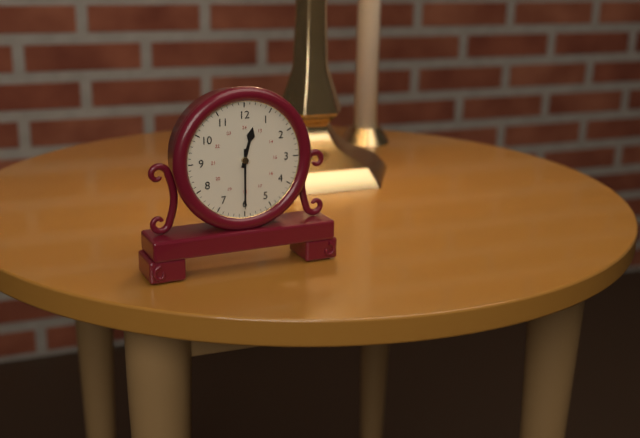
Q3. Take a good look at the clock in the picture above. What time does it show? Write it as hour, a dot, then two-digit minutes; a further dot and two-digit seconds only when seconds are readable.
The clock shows 12.30
